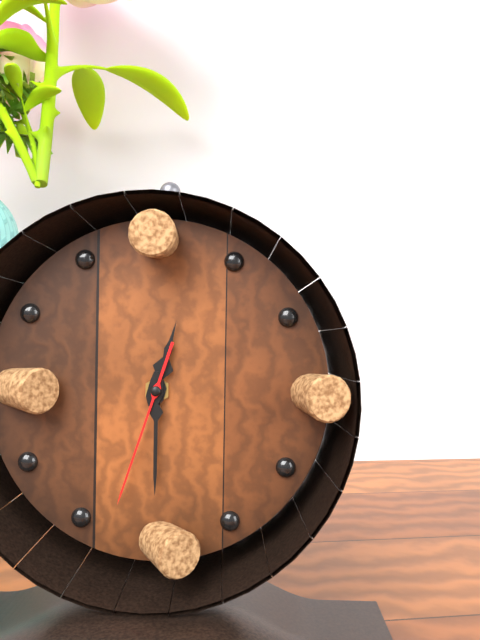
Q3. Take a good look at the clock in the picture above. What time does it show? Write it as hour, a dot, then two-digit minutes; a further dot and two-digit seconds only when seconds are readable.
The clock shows 12.30.33
